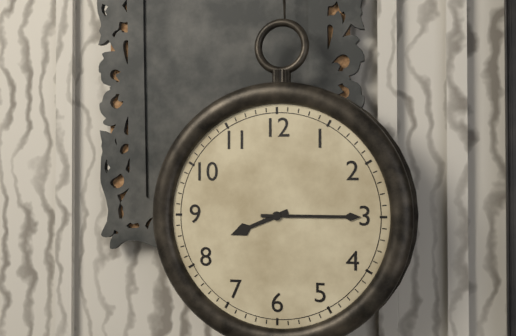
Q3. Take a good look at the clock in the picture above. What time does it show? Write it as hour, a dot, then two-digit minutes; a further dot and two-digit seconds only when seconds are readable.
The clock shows 8.15
